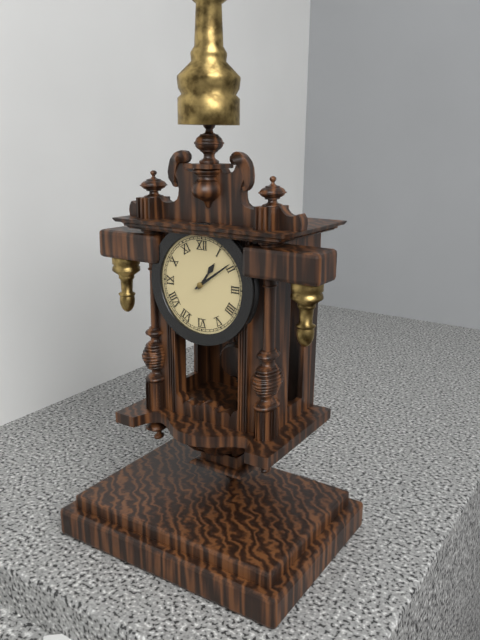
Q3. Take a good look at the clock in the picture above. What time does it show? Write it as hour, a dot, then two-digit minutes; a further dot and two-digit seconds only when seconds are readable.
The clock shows 1.09
